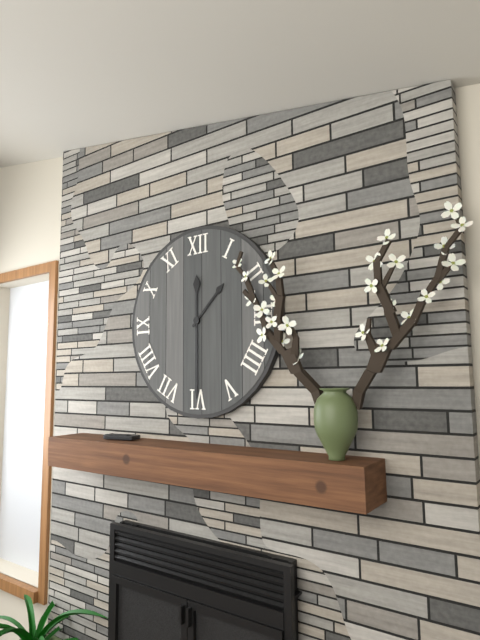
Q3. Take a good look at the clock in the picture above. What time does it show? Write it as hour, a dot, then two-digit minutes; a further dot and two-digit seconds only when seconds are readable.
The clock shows 1.30
